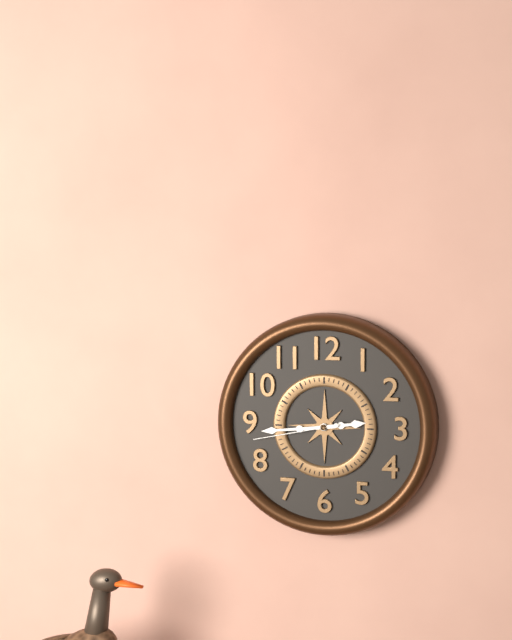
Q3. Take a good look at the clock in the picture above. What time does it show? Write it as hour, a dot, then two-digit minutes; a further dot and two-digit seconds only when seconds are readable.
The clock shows 2.44.43
